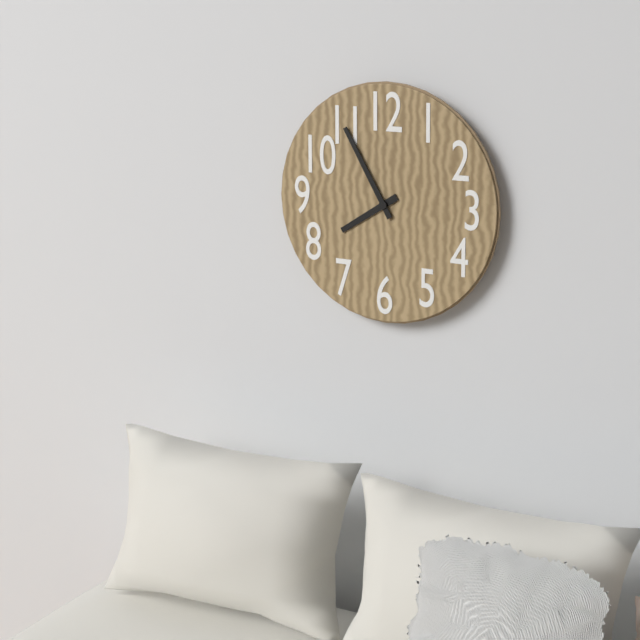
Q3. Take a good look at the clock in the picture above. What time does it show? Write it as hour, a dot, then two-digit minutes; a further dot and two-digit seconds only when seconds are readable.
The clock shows 7.55
